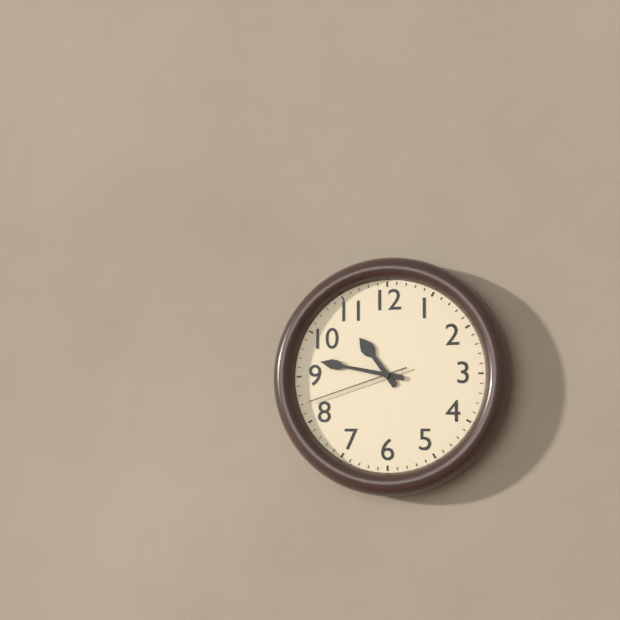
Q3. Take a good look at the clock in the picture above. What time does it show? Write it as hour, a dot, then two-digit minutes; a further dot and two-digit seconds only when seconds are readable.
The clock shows 10.47.42
